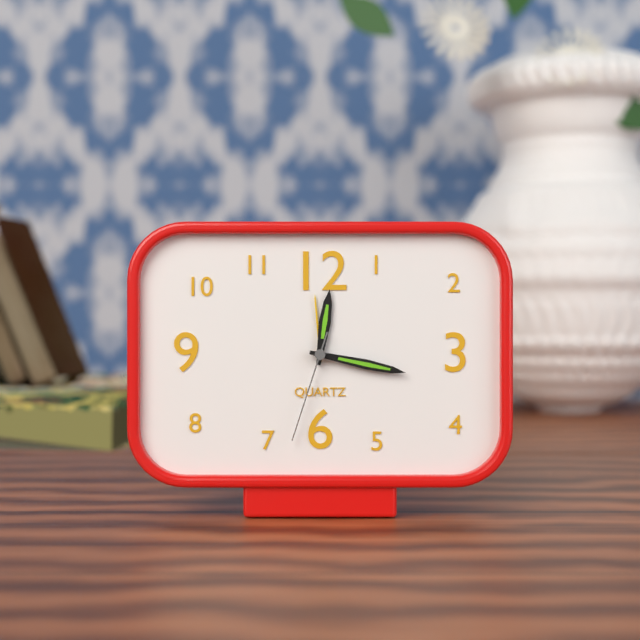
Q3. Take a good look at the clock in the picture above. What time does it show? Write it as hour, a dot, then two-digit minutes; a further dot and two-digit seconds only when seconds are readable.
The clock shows 12.17.33
